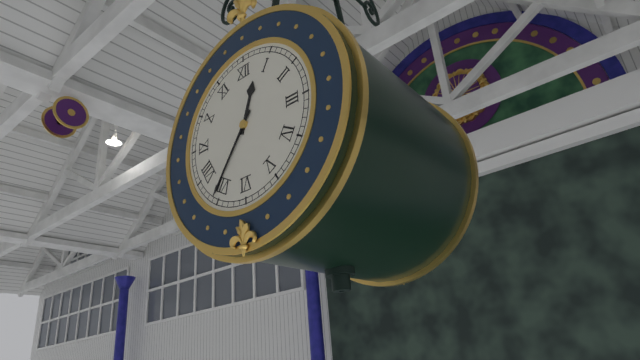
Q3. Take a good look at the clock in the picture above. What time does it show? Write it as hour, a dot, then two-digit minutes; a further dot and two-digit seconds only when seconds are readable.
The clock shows 12.36
